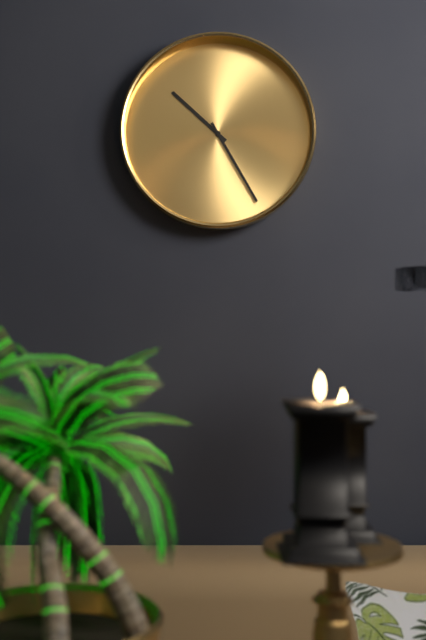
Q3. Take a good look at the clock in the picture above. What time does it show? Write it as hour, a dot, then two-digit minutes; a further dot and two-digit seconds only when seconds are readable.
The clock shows 10.25
